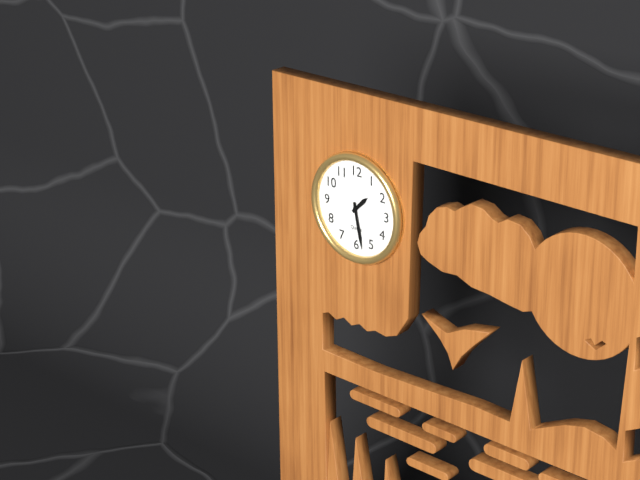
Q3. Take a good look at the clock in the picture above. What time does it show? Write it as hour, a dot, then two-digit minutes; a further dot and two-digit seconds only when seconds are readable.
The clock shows 1.28
